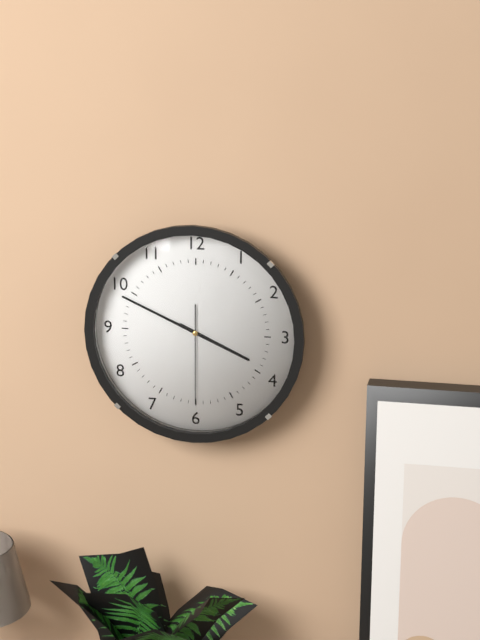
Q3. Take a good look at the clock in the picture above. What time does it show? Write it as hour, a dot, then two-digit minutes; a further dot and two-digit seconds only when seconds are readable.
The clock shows 3.49.30
